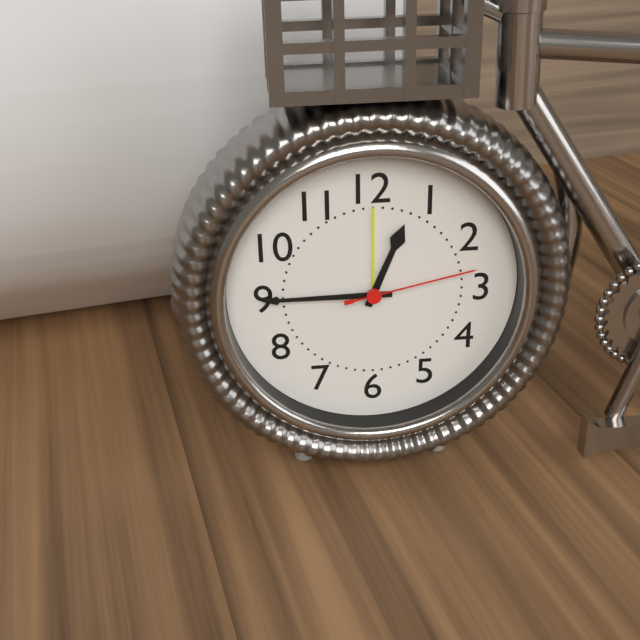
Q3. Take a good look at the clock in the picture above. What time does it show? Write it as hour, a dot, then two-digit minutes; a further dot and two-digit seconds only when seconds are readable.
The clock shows 12.45.13
